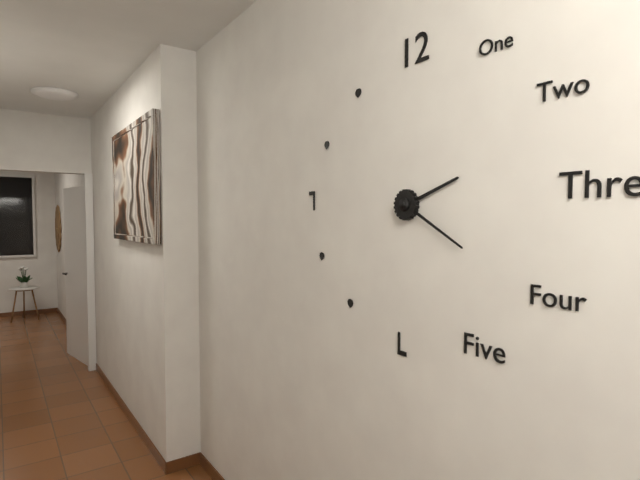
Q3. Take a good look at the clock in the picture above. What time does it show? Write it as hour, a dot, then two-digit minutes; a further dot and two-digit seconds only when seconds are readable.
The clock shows 2.20
